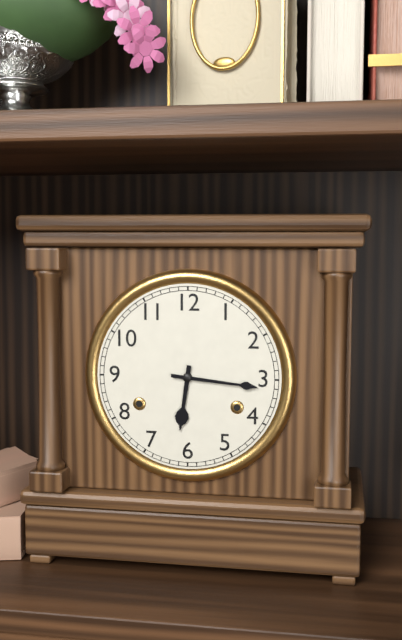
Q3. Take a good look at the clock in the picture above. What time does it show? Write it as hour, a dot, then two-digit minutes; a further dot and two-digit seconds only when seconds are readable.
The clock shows 6.16
